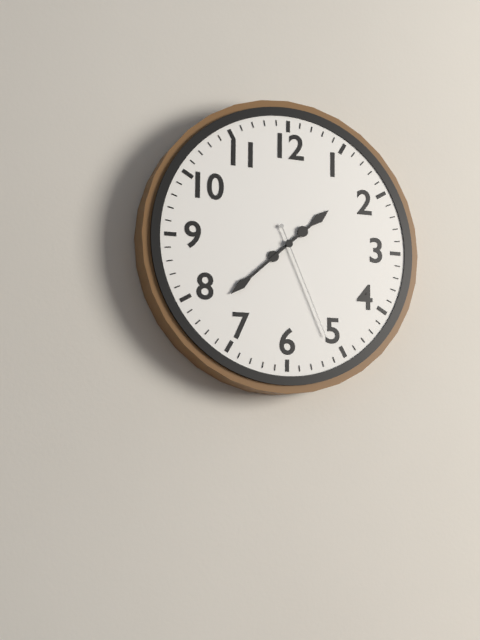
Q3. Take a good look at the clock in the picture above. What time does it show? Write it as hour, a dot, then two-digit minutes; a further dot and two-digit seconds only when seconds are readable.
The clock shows 1.38.26
